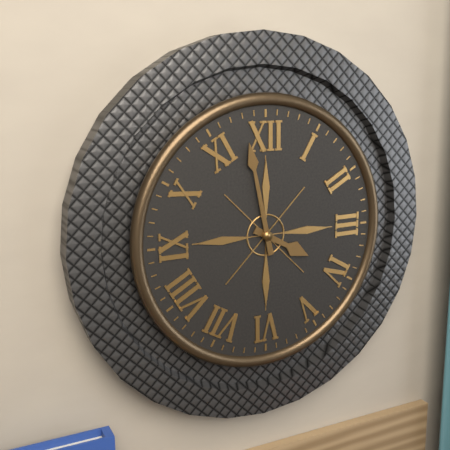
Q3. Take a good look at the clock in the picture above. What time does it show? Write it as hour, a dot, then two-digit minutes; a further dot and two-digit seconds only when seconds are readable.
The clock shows 3.58
